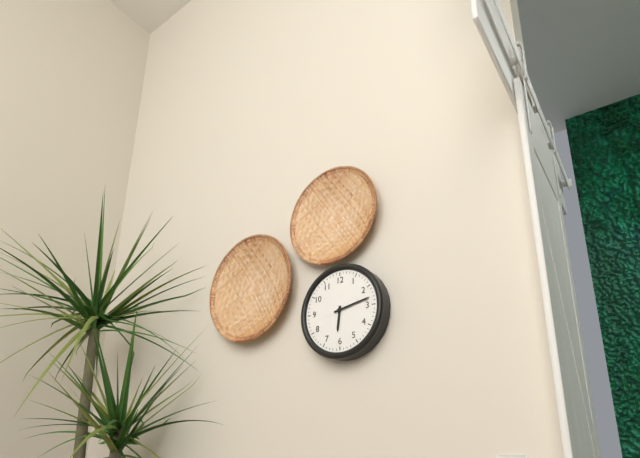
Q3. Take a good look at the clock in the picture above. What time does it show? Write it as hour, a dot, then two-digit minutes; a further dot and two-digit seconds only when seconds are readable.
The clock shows 6.13
